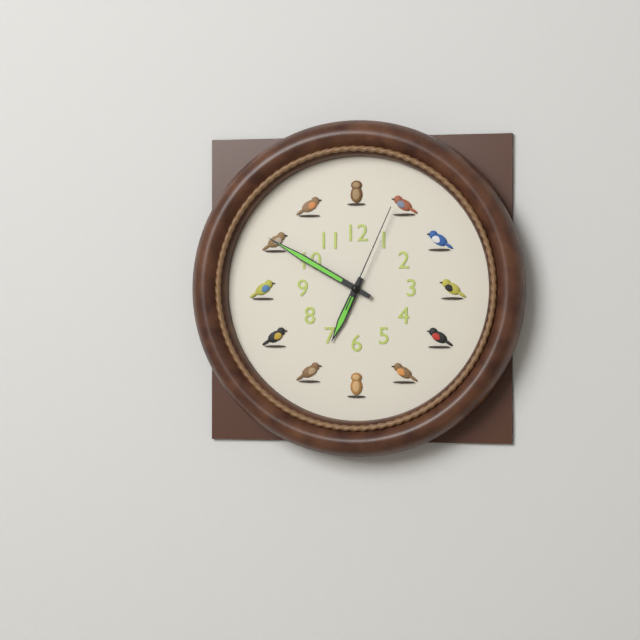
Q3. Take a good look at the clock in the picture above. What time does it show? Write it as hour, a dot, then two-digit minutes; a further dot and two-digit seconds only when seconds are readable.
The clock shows 6.50.04
